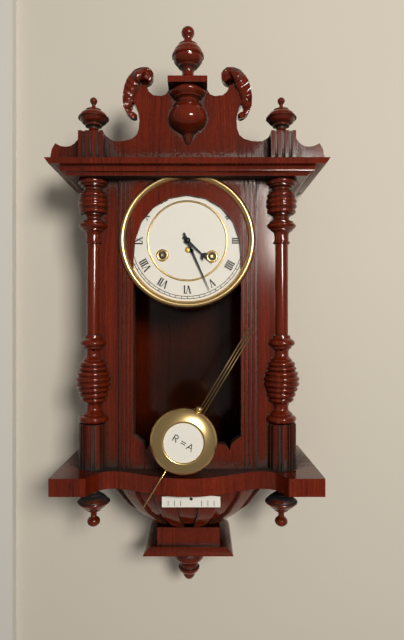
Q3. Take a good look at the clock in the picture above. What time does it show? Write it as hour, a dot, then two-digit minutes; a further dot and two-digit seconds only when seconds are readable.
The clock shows 4.26
